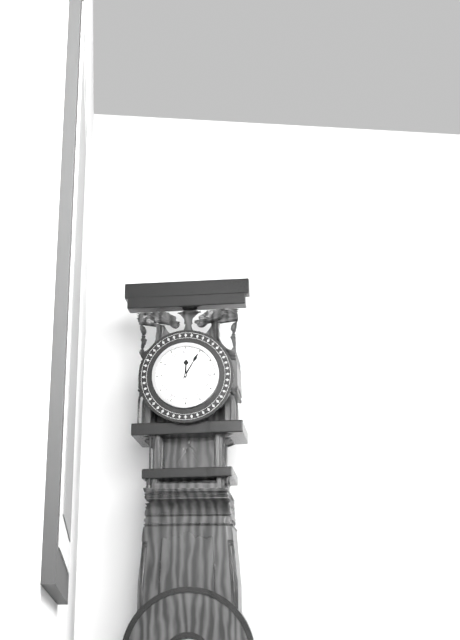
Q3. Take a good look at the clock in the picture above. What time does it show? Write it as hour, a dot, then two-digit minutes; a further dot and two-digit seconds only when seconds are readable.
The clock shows 12.05
